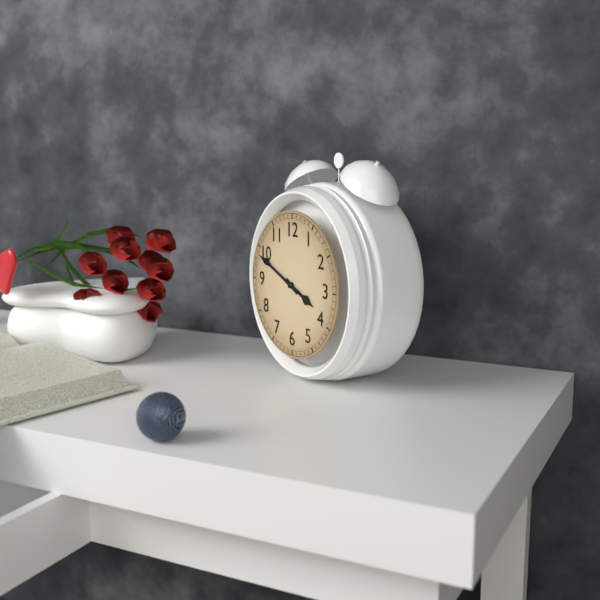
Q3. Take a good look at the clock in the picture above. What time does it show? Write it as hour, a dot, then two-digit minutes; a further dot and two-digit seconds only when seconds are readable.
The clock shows 3.49
